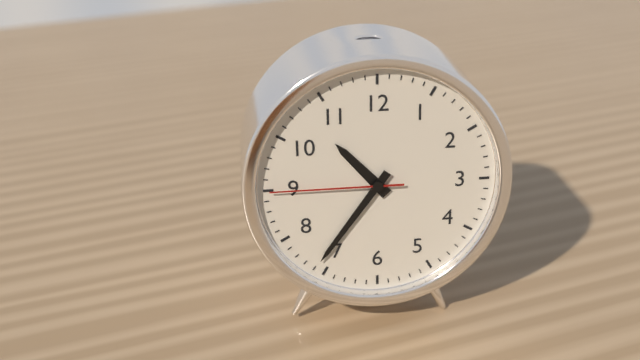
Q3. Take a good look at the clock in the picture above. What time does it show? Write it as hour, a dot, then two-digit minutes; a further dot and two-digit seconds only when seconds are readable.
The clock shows 10.36.45
